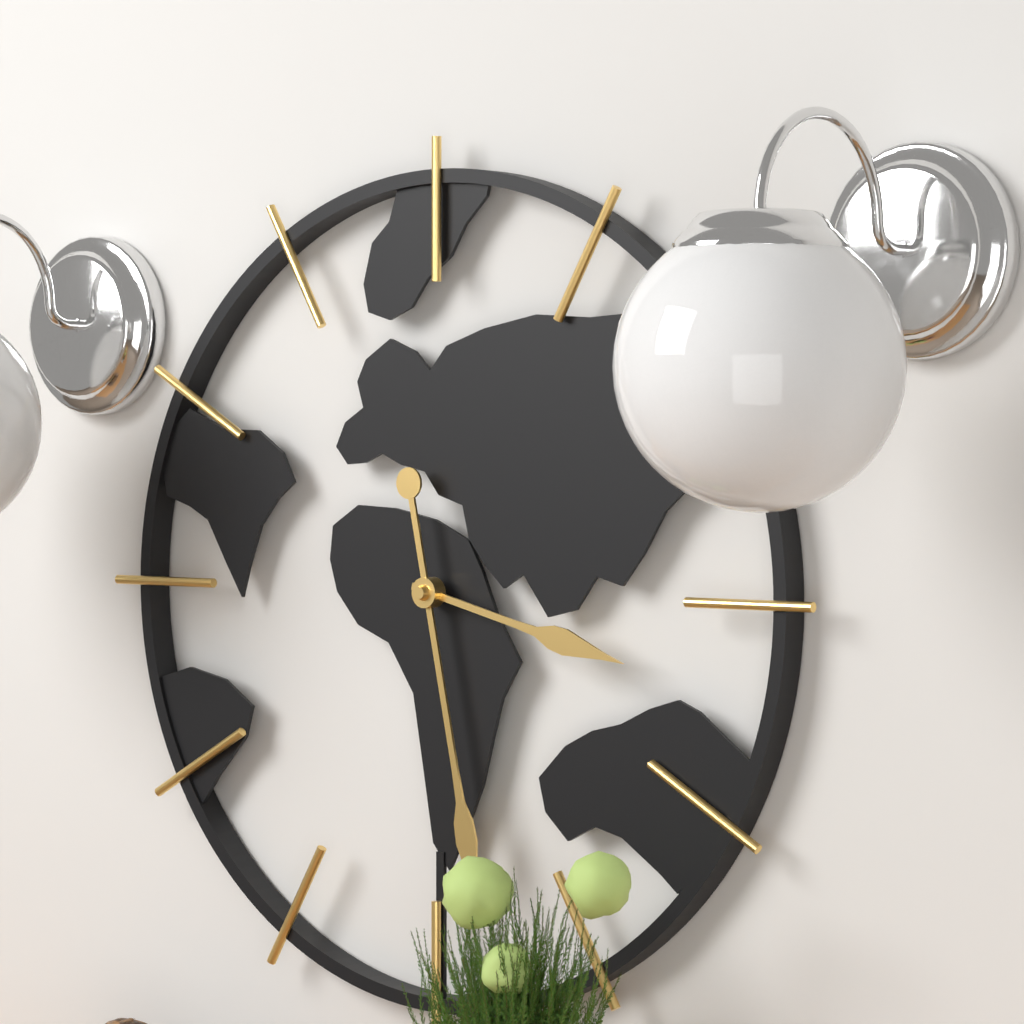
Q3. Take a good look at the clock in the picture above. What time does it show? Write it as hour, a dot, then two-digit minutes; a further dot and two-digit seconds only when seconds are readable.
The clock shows 3.28
